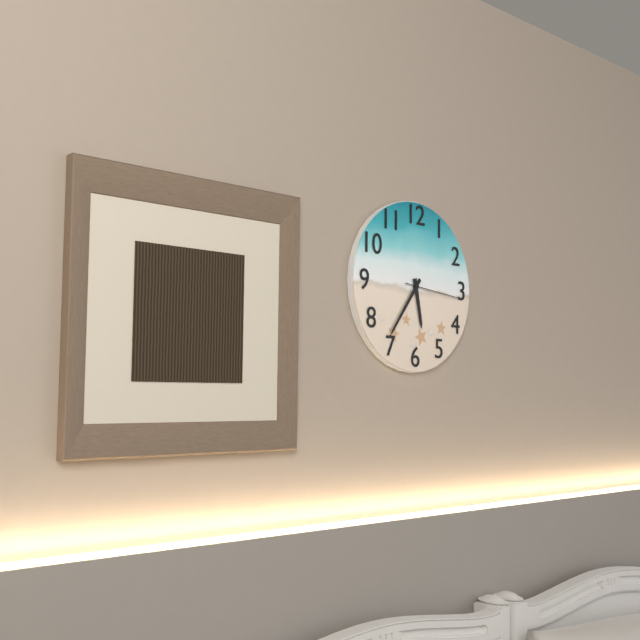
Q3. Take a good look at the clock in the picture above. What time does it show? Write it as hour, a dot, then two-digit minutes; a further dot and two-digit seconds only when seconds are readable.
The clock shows 5.36.16
